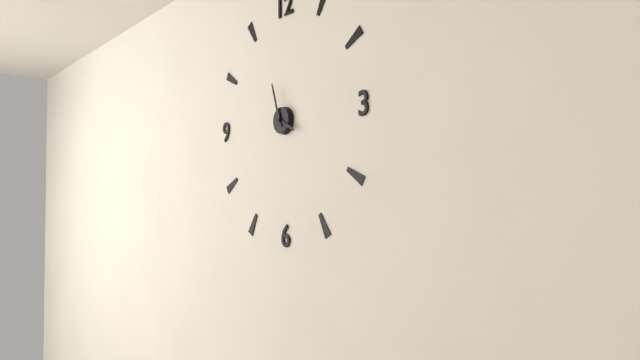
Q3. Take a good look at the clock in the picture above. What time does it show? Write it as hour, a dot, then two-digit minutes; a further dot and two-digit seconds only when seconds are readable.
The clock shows 3.57
